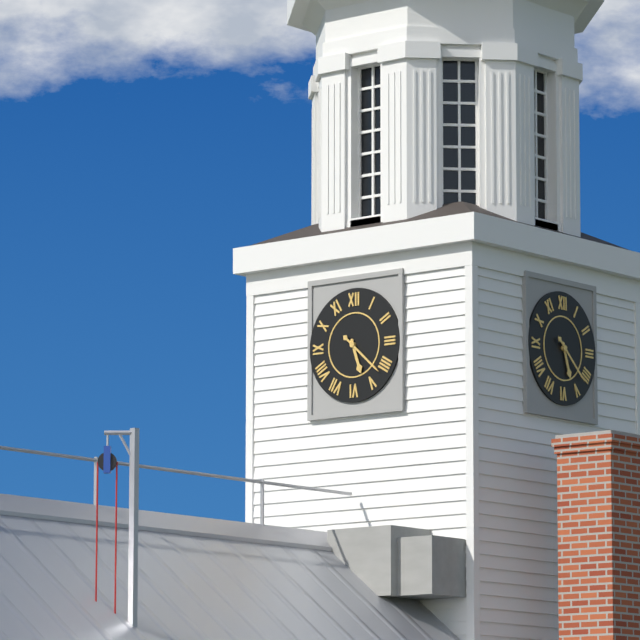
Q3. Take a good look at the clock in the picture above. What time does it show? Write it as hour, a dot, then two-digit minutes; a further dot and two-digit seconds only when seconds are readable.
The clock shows 5.22
